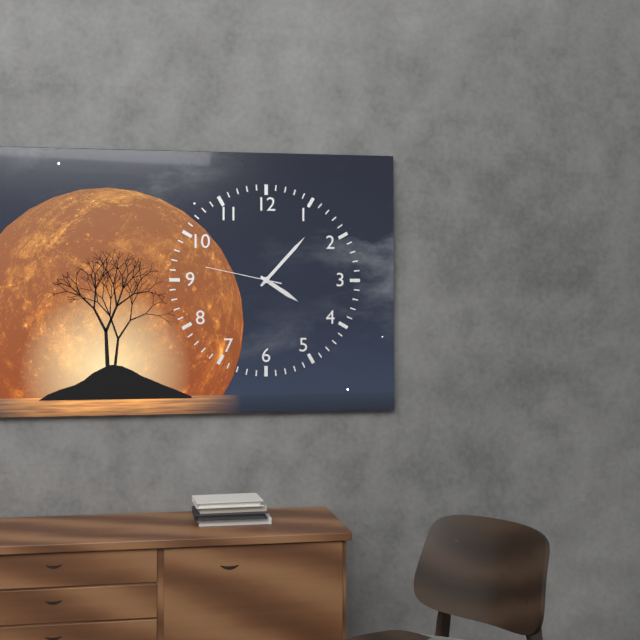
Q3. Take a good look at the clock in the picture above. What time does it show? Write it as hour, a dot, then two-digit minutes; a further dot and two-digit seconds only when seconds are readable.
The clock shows 4.07.47
